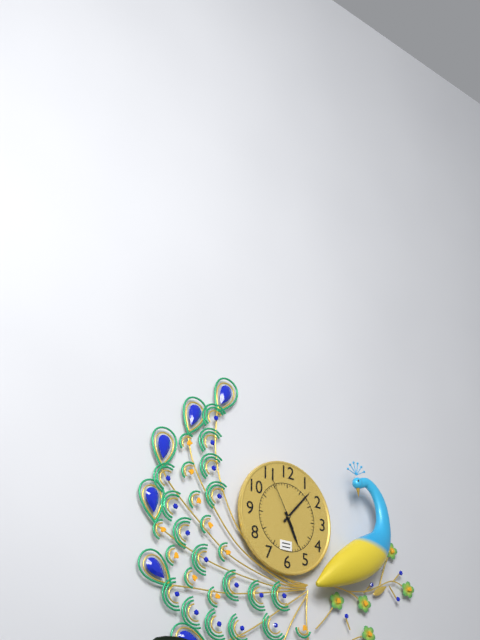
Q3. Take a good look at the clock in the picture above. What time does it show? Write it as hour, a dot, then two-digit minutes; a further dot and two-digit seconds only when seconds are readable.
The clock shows 5.07.55
